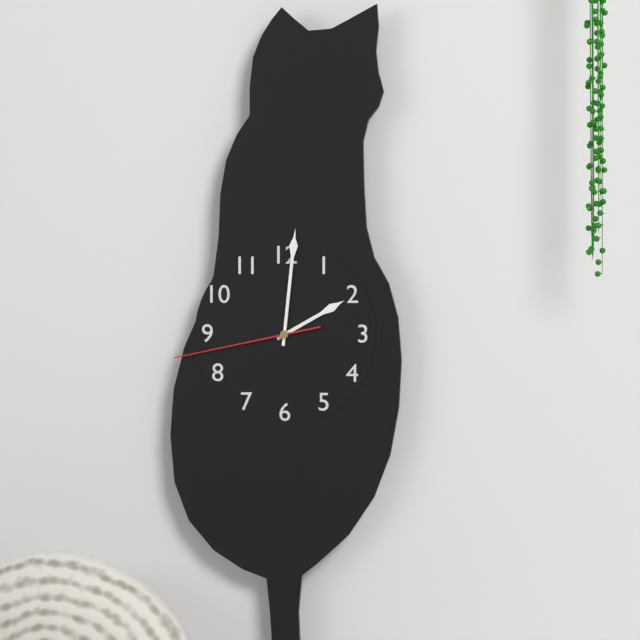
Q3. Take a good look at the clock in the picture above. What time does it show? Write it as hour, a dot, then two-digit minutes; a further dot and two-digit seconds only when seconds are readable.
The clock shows 2.01.43
